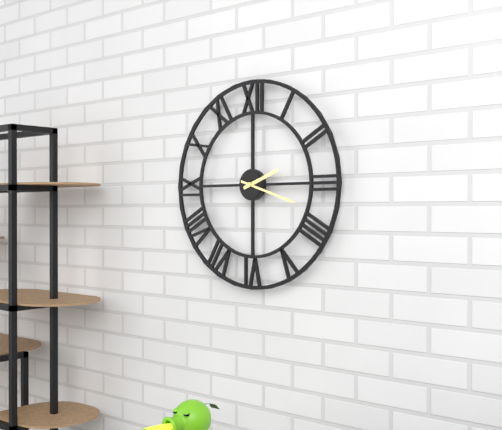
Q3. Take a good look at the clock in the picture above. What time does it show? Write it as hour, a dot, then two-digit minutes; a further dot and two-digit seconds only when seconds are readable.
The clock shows 2.18
